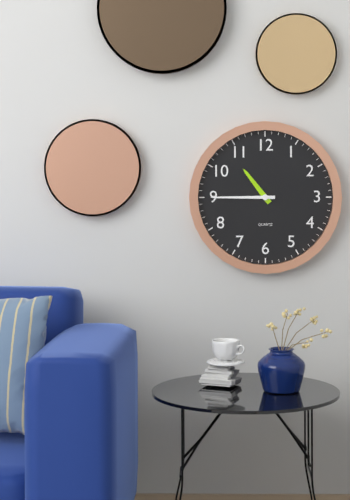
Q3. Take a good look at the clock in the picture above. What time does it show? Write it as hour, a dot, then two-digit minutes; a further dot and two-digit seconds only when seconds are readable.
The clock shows 10.45
